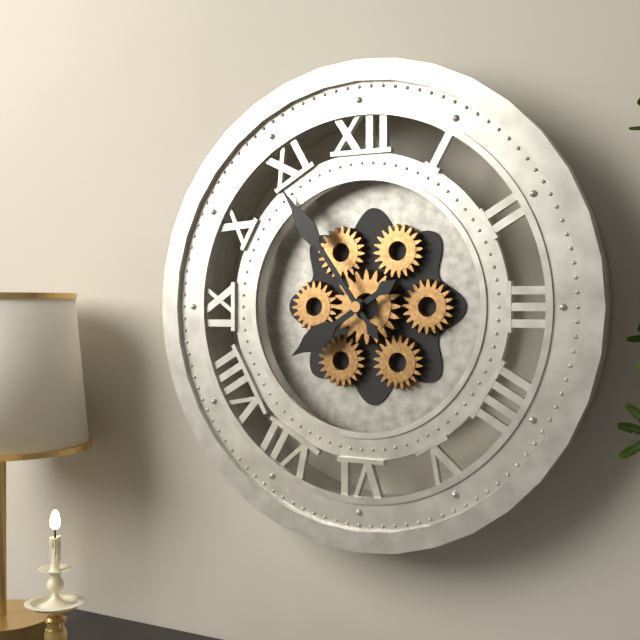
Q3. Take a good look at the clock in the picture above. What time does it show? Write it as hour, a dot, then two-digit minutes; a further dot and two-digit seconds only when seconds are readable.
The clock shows 7.54
